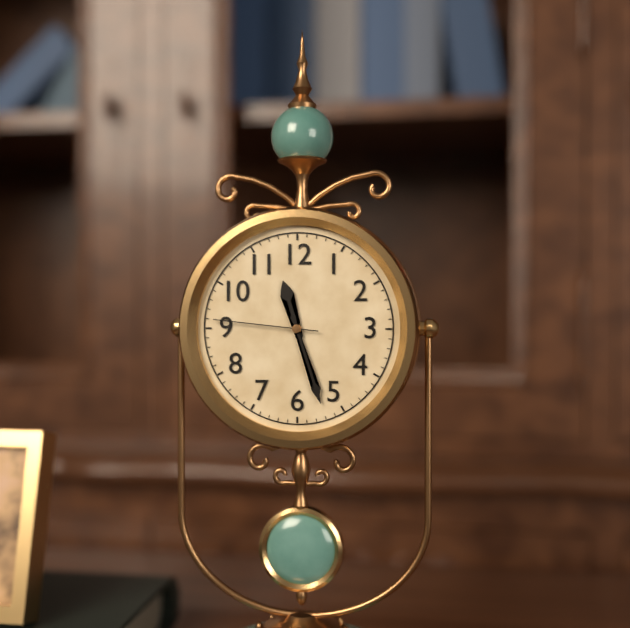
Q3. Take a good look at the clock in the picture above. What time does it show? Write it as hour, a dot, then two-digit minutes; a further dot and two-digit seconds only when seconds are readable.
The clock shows 11.27.46
